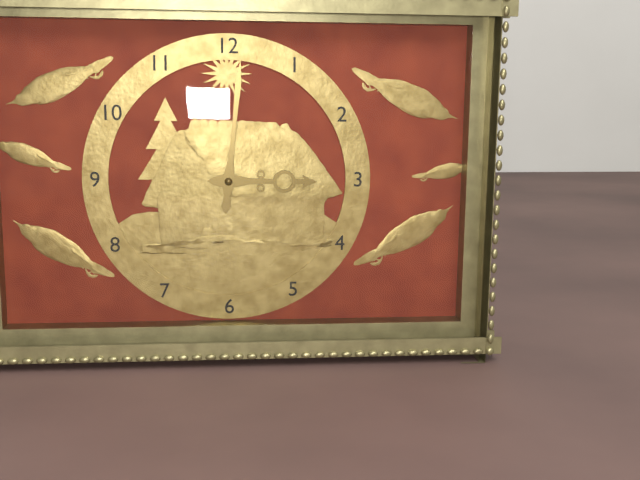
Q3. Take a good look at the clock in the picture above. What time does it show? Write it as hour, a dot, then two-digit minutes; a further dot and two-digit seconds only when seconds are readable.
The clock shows 3.01
